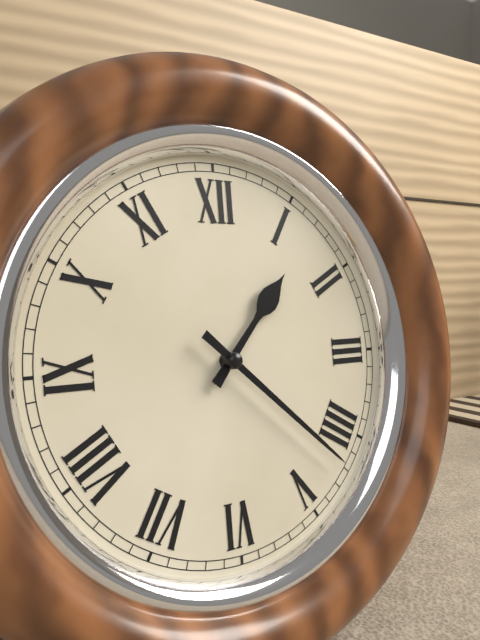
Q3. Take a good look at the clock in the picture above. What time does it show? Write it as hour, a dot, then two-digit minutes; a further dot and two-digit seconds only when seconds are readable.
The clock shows 1.22
